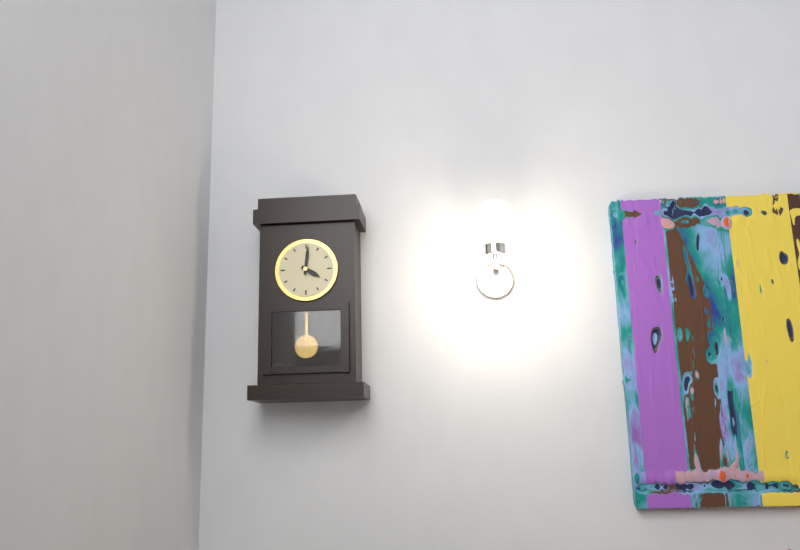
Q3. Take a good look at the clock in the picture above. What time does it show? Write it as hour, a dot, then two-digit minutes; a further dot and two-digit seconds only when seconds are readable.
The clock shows 4.01
